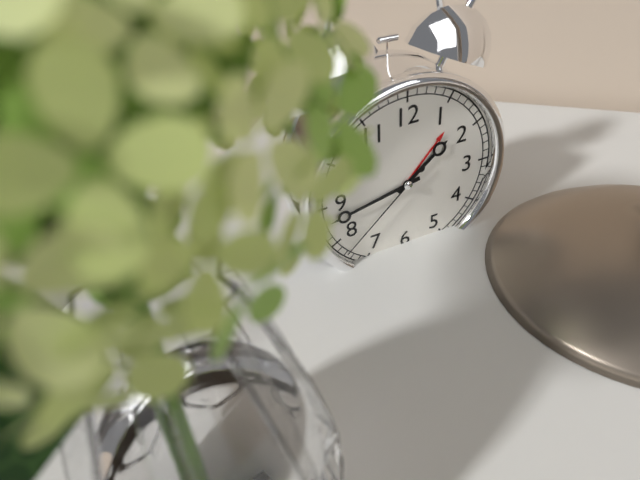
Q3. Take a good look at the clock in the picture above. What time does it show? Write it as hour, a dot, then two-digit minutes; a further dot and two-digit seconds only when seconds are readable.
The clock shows 1.43.38
